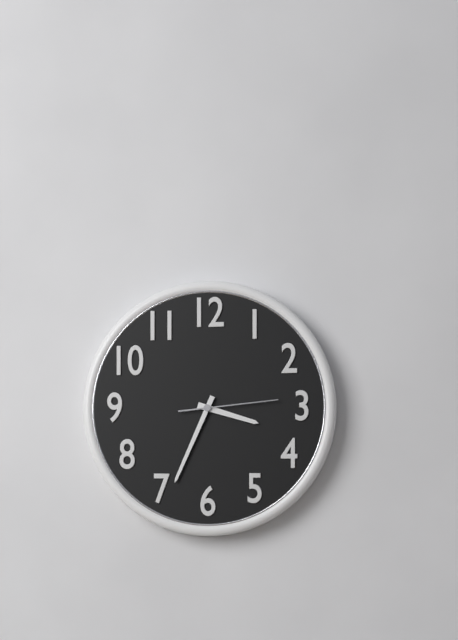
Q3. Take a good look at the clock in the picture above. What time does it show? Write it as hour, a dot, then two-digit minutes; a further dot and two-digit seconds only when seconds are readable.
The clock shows 3.34.14
